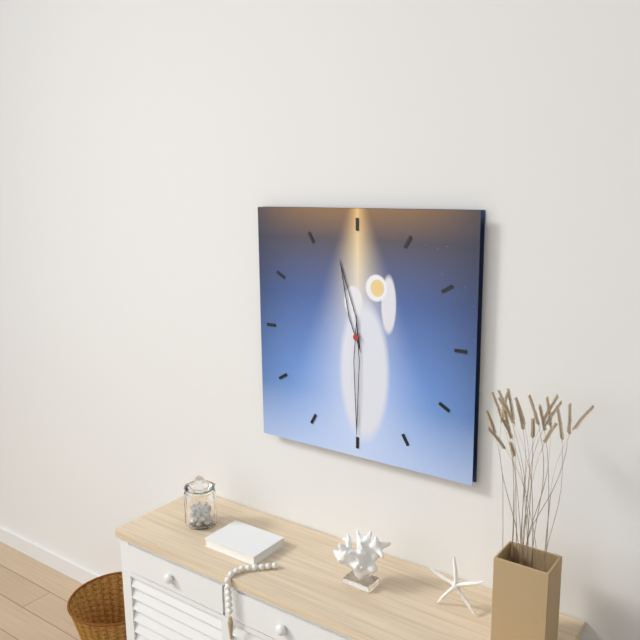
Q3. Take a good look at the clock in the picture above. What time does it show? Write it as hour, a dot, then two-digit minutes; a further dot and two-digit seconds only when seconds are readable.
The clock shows 11.30
